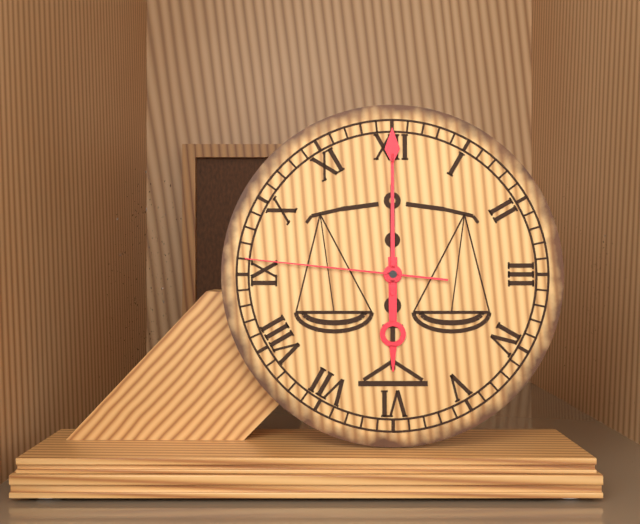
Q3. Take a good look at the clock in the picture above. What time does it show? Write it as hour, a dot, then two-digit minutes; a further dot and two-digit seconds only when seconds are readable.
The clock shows 6.00.46
